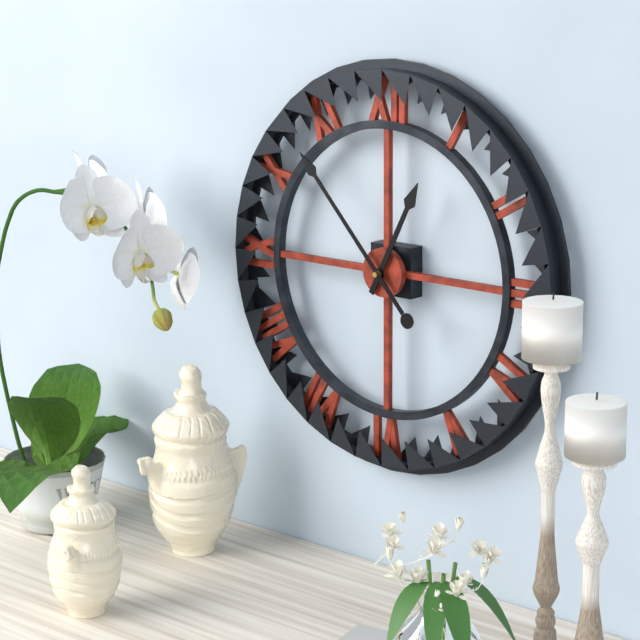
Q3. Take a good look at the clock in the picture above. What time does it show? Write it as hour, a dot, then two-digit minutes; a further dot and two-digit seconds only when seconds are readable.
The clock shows 12.53
